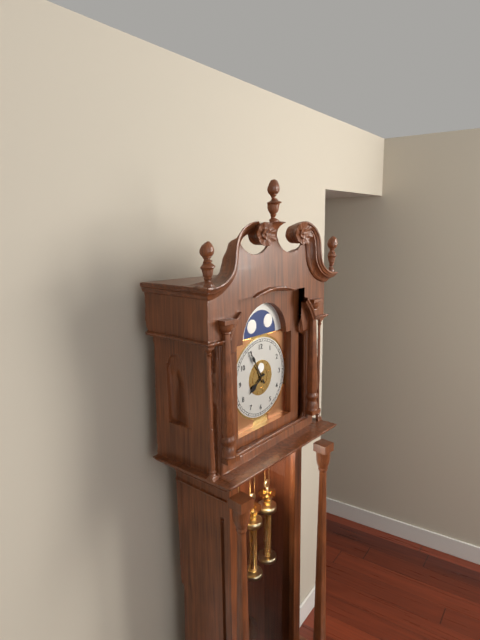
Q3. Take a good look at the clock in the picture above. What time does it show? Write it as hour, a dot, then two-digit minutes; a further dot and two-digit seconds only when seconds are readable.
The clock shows 7.55
